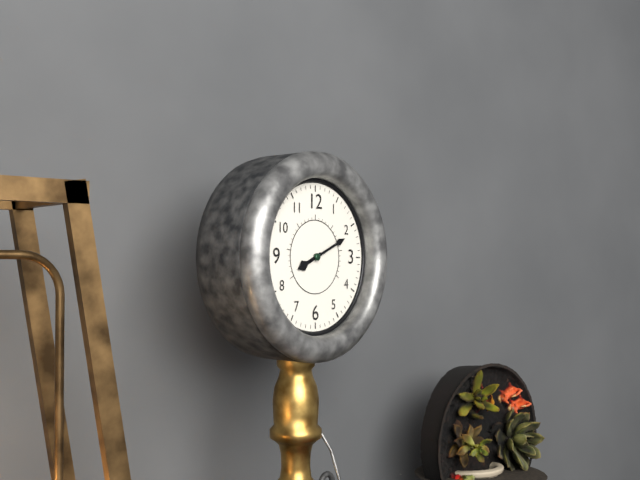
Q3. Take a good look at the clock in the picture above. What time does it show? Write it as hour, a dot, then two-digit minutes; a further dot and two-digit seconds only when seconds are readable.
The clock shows 8.11
